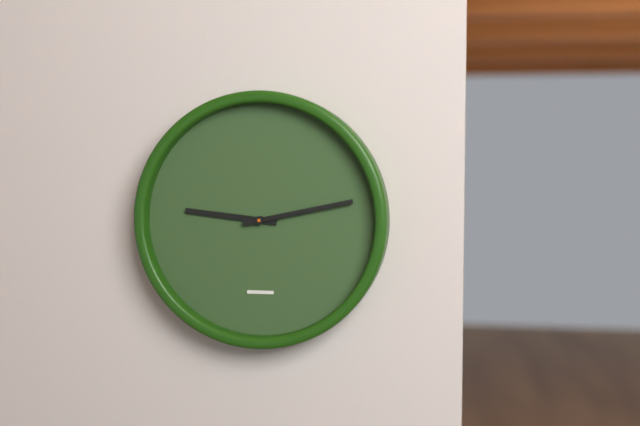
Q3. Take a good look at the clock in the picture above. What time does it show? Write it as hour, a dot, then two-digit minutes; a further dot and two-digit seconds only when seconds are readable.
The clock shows 9.13
